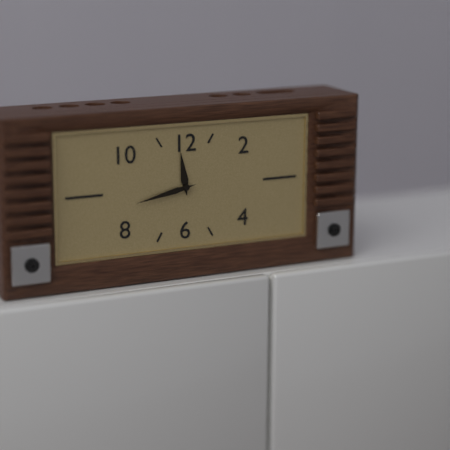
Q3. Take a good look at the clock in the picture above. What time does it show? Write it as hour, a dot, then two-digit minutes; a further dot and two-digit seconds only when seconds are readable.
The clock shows 11.43
